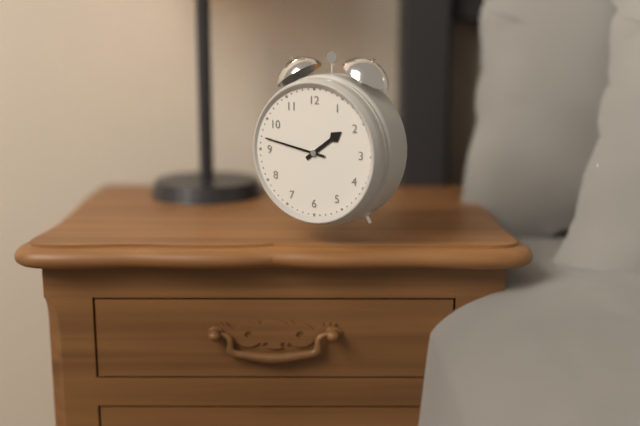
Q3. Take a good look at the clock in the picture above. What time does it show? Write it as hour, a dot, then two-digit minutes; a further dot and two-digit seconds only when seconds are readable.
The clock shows 1.47
